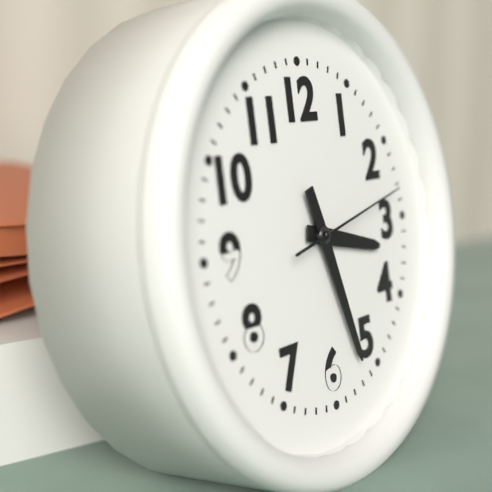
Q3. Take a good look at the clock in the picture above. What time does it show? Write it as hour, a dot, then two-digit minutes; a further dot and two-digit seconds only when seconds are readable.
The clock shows 3.27.13
